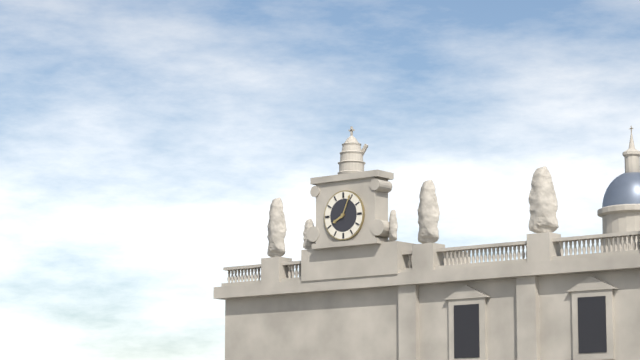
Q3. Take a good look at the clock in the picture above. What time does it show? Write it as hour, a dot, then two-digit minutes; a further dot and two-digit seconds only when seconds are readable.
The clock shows 8.04
